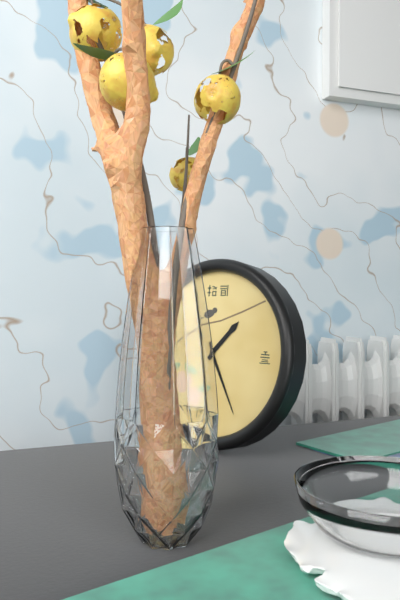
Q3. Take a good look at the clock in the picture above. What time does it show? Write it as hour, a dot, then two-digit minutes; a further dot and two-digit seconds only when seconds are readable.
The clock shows 1.25
